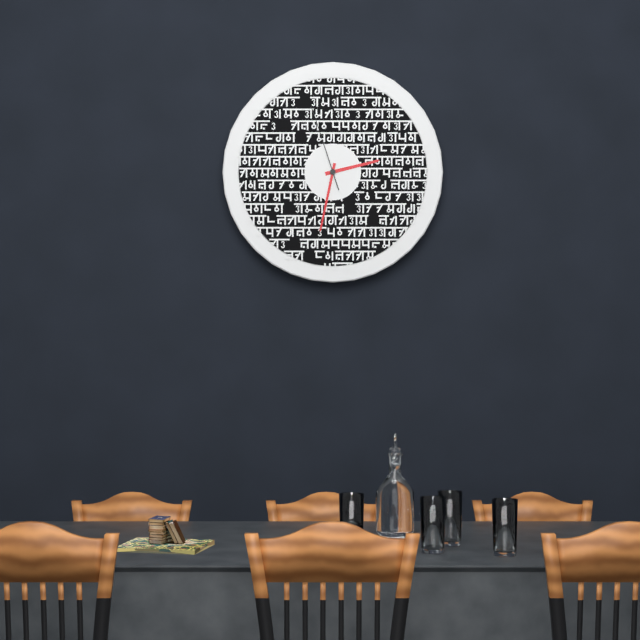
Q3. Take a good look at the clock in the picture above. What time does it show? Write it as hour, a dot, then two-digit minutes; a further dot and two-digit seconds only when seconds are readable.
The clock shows 2.32.57
